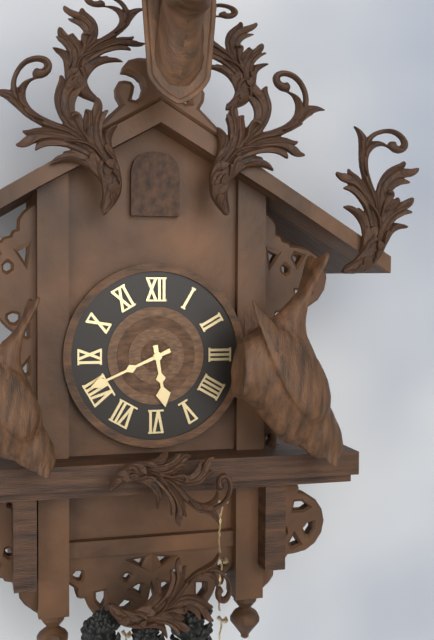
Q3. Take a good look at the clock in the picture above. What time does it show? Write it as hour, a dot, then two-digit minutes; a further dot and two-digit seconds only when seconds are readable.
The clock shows 5.41
